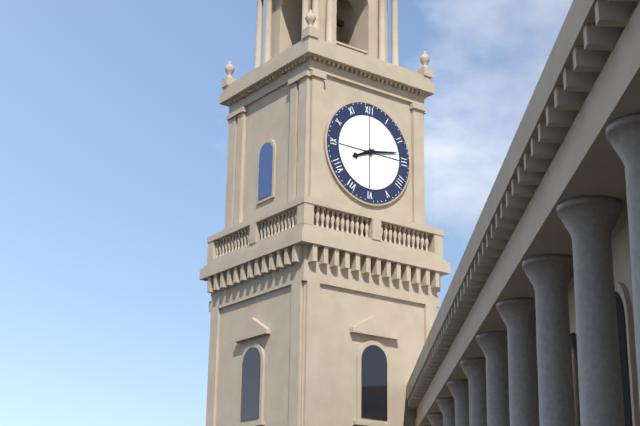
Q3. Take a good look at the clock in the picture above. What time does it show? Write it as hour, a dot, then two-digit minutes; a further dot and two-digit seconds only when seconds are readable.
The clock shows 8.13
